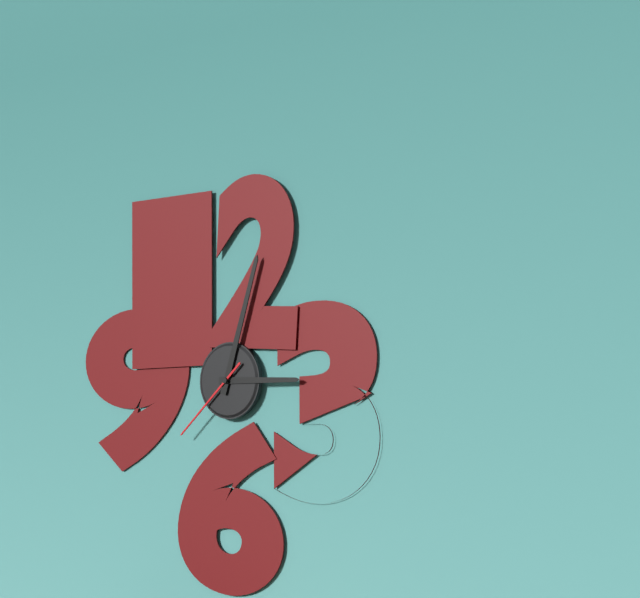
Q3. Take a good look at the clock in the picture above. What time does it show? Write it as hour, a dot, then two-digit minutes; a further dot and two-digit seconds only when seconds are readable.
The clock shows 3.03.38
